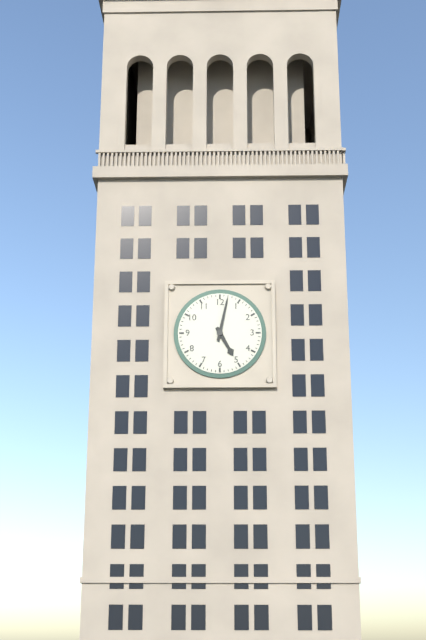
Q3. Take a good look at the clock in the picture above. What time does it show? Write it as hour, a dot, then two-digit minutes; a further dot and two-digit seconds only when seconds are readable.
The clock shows 5.02
